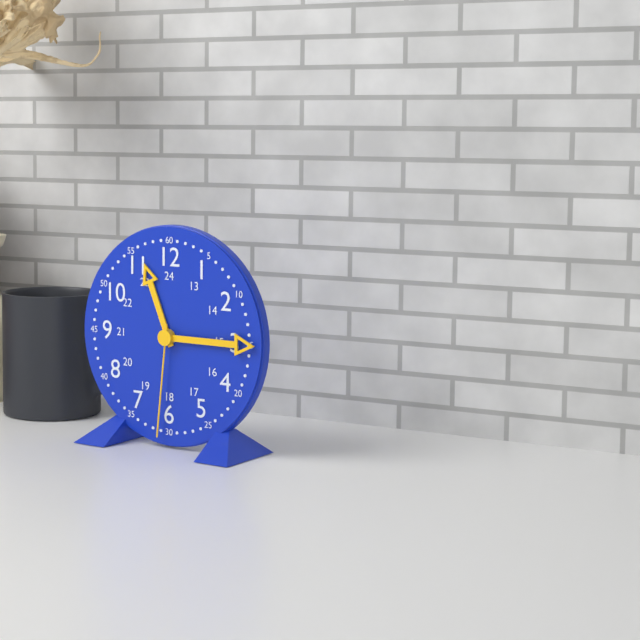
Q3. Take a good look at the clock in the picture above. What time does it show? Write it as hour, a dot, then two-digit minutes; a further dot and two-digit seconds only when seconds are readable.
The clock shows 11.15.31
